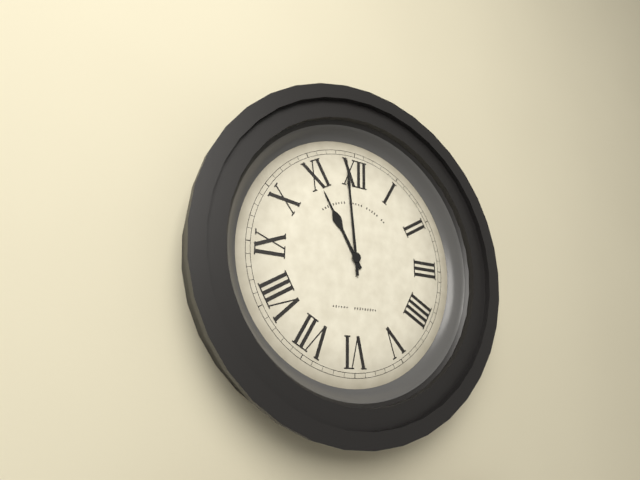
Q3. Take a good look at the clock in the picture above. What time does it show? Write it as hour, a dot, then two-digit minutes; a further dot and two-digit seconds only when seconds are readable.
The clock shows 10.59
